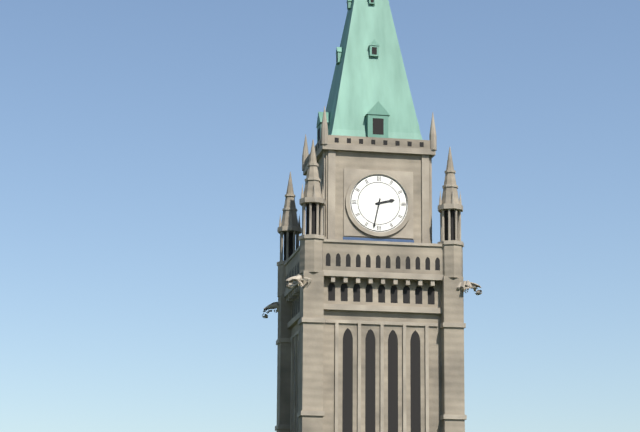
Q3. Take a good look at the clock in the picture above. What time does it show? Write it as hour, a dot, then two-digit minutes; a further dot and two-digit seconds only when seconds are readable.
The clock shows 2.32
